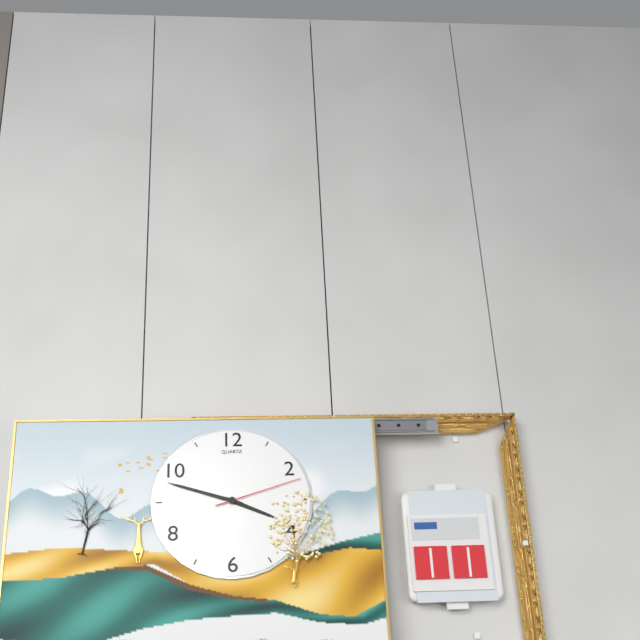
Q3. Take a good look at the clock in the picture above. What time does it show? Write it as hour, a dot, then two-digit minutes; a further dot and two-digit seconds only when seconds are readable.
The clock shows 3.48.12
